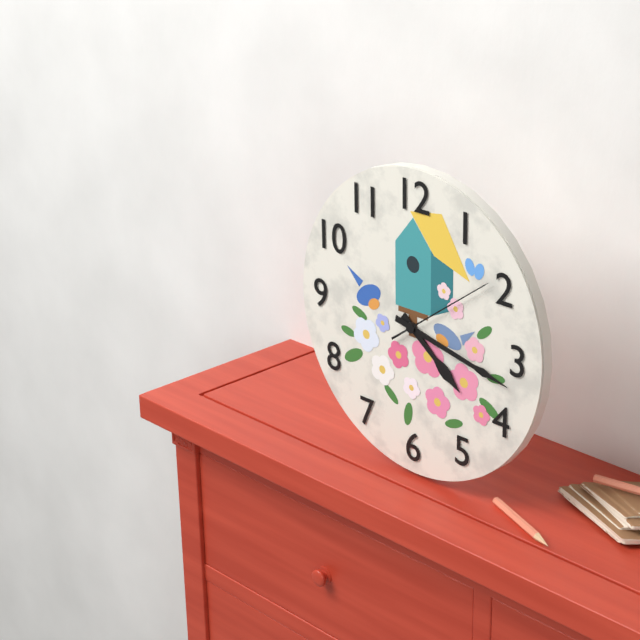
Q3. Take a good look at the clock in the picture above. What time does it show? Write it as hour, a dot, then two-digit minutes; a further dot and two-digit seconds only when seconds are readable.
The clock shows 4.17.09
